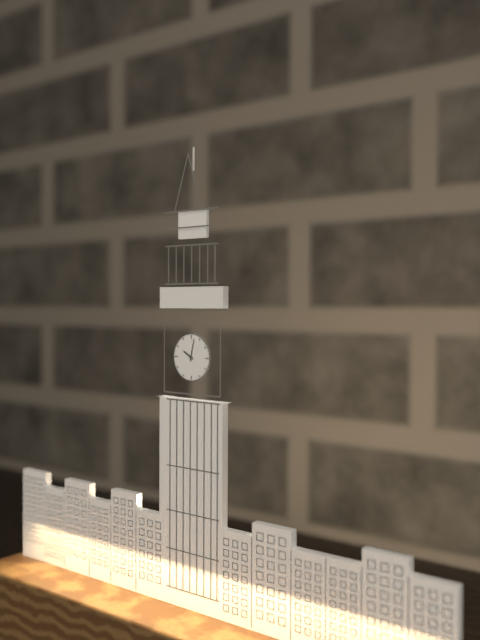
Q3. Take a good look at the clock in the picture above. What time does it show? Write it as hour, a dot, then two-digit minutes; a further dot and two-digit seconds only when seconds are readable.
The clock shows 10.02
